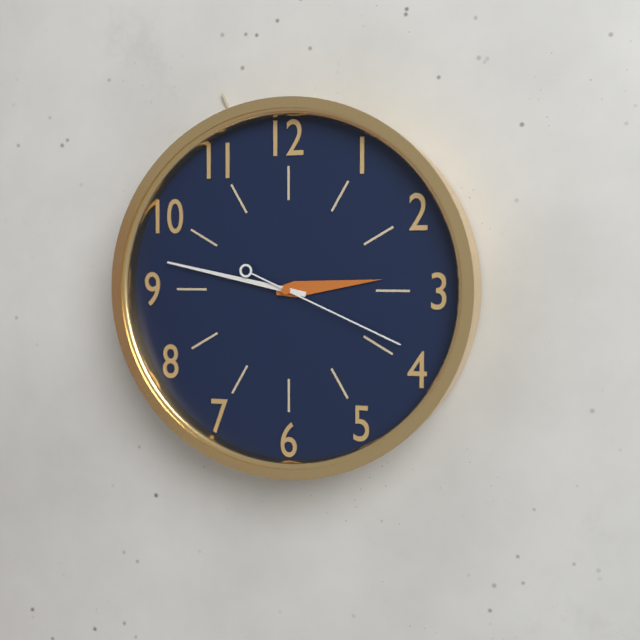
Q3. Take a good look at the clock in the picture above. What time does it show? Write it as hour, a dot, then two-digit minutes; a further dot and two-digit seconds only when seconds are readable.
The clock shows 2.47.19
